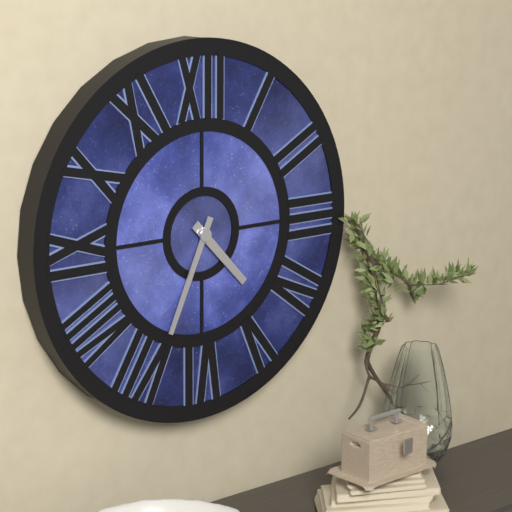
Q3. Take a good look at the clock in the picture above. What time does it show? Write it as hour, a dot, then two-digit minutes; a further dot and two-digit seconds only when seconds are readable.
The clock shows 4.34
